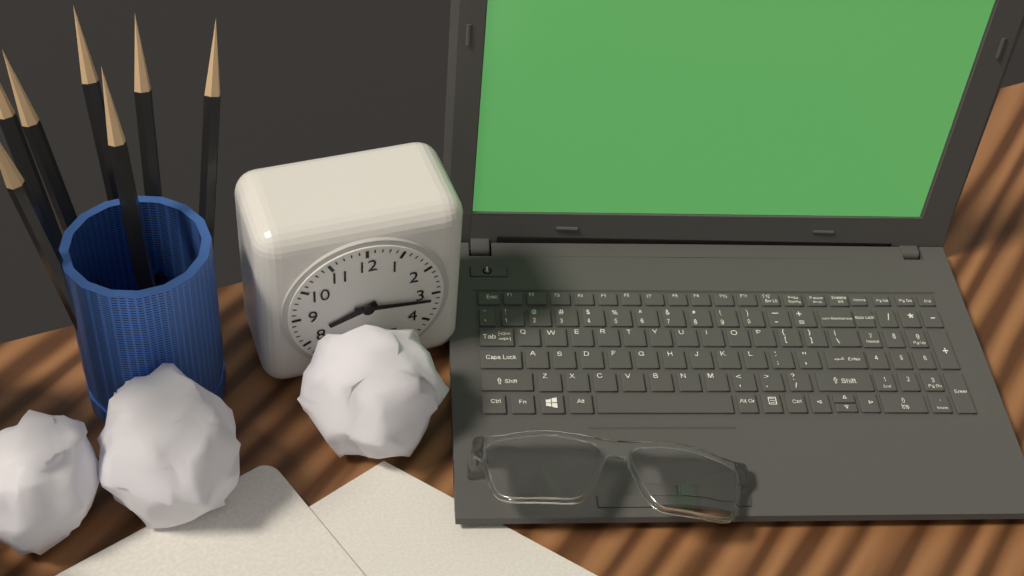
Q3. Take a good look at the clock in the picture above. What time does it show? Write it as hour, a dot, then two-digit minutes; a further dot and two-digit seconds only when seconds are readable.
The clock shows 8.16
